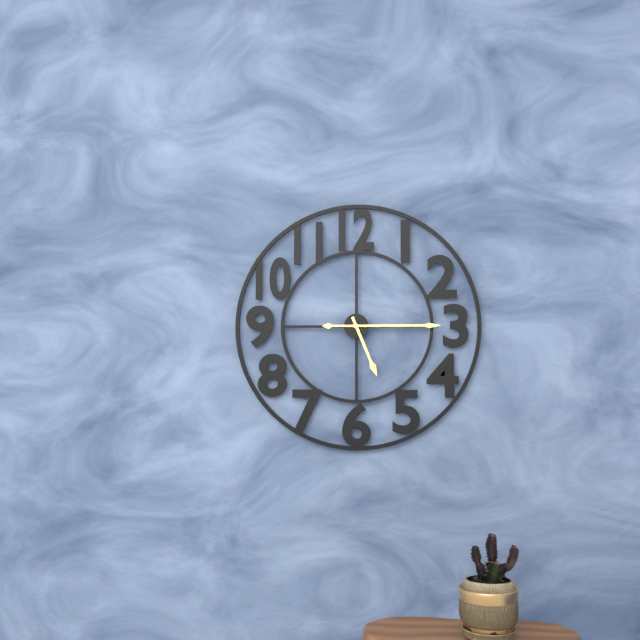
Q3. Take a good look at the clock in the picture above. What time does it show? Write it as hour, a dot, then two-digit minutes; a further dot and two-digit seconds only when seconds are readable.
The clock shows 5.15
